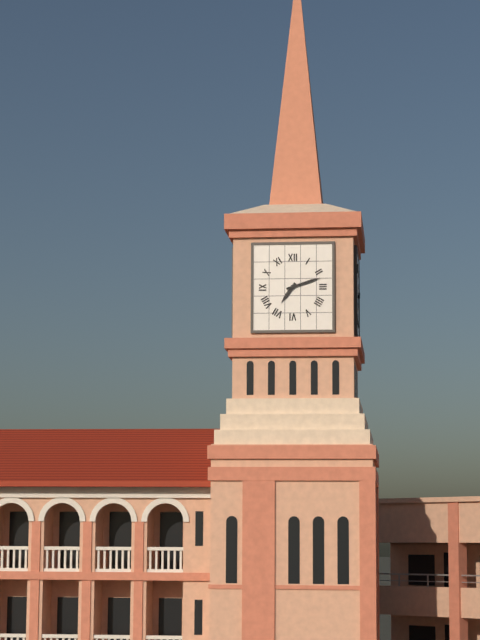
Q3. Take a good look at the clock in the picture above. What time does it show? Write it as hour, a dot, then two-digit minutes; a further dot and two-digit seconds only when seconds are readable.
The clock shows 7.12
